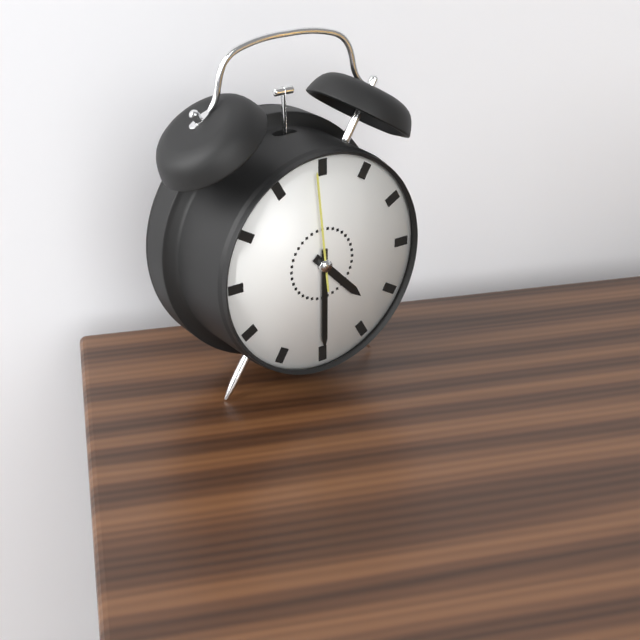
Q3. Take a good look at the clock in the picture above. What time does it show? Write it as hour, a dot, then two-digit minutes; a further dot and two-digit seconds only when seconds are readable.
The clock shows 4.30.59
